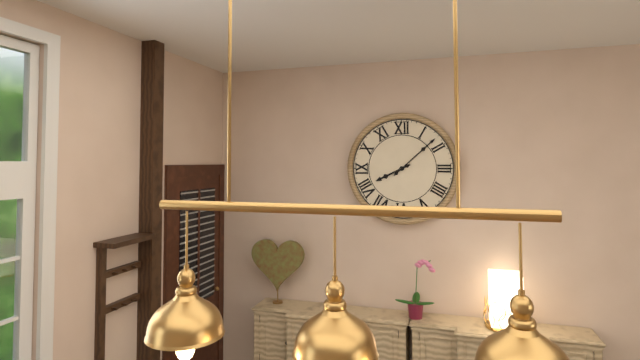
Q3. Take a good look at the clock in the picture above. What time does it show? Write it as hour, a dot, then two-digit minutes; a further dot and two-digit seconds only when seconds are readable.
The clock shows 8.08
